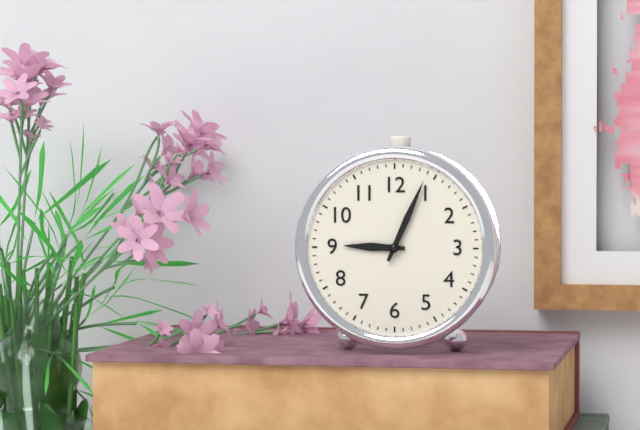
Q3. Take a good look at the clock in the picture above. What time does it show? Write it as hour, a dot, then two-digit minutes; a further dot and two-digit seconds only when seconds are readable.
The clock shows 9.04
